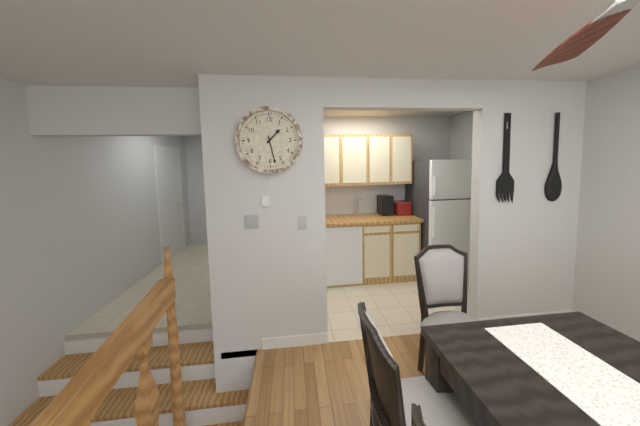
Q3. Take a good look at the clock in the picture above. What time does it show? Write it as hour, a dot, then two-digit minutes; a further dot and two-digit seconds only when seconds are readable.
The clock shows 1.28
